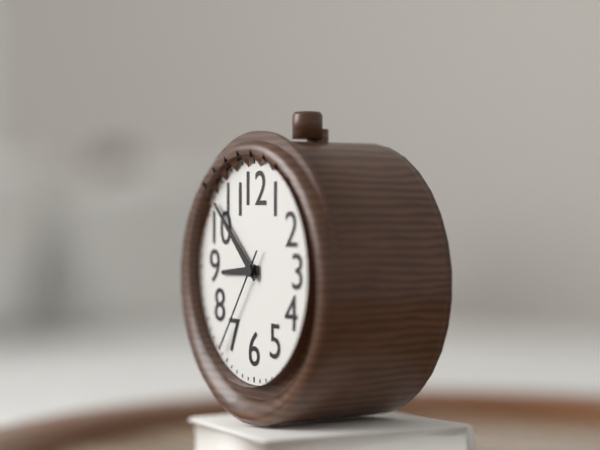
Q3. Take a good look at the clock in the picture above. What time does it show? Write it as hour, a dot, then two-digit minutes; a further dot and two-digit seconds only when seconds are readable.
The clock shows 8.52.36
